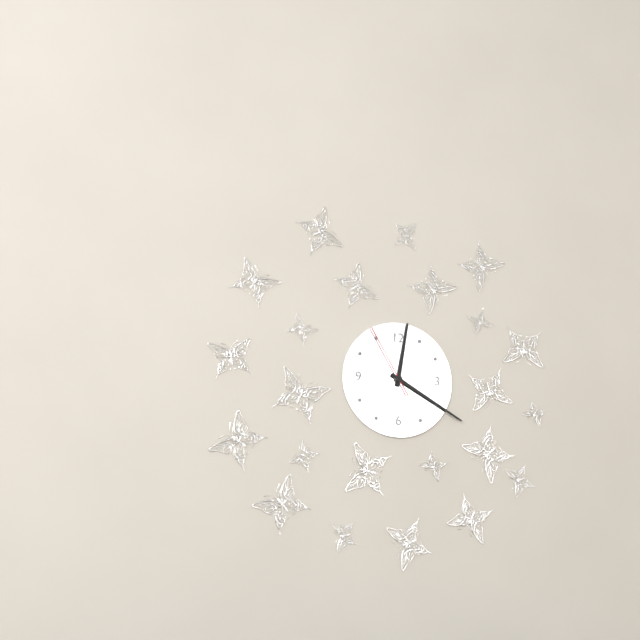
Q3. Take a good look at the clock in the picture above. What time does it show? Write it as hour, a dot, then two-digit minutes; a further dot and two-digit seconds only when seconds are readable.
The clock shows 12.20.55
